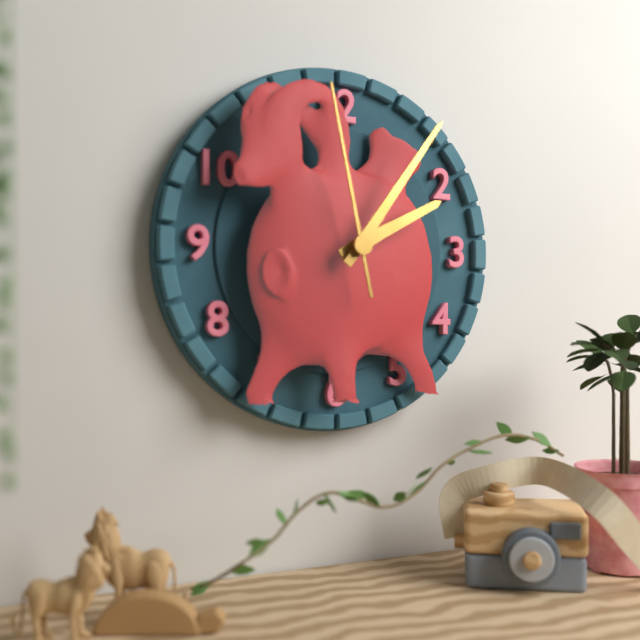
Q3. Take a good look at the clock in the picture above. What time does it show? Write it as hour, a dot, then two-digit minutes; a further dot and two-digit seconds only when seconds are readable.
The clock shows 2.06.58
